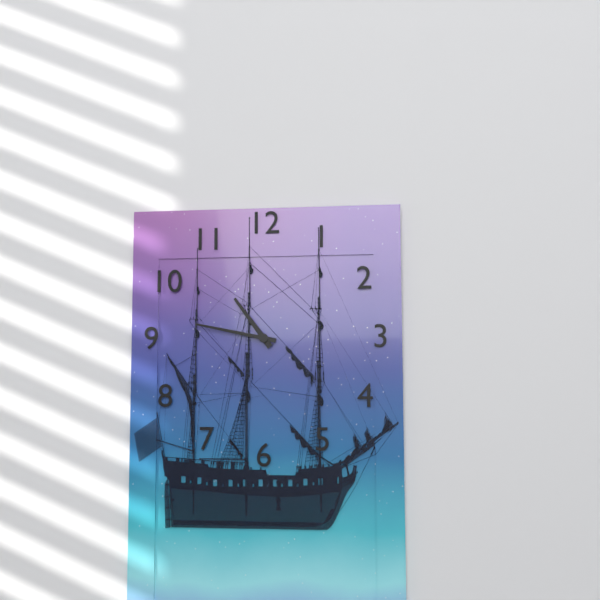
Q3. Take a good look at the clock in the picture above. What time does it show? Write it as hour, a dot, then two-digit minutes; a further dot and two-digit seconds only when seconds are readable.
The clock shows 10.47
